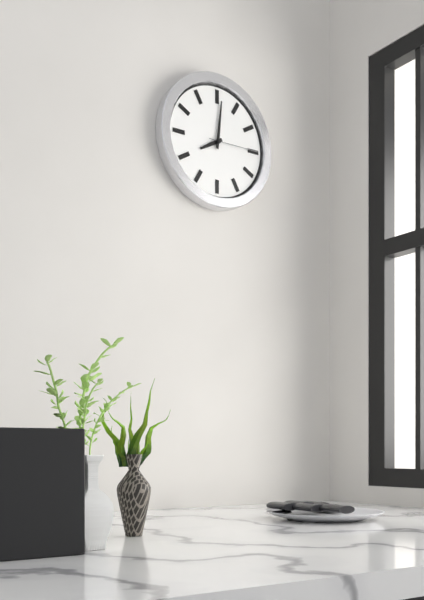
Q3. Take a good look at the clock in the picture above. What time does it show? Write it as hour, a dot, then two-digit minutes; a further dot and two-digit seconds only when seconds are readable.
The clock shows 8.01.15
